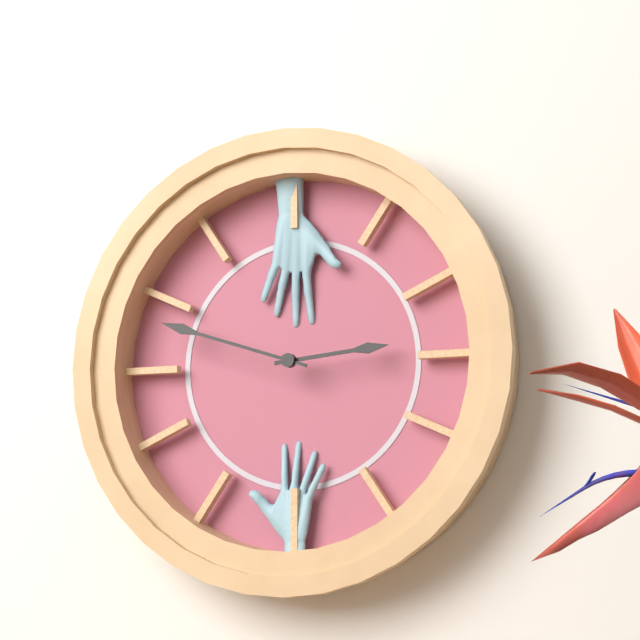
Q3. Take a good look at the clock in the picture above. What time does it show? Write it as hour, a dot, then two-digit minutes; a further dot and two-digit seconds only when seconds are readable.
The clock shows 2.48
